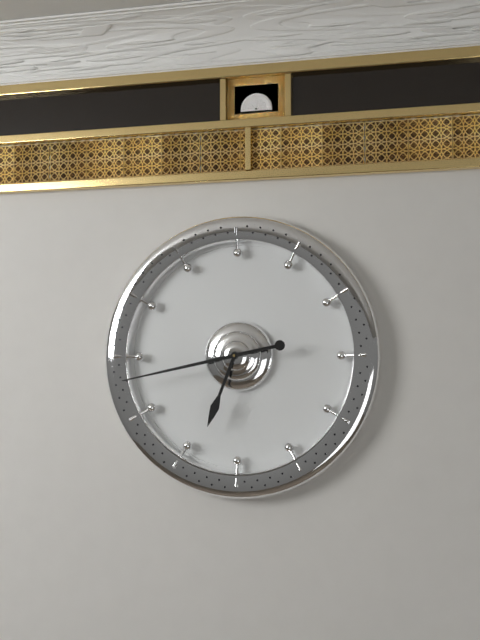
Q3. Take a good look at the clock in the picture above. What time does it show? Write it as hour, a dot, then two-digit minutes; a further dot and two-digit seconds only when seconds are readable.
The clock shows 6.43
